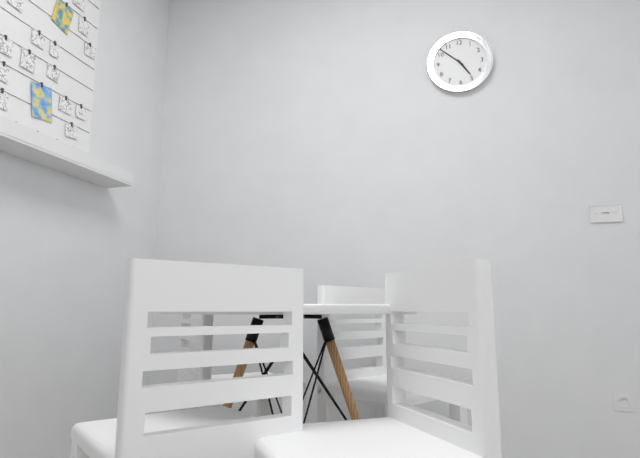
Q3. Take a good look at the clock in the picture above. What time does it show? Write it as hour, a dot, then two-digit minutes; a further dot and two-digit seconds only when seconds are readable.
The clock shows 4.52
